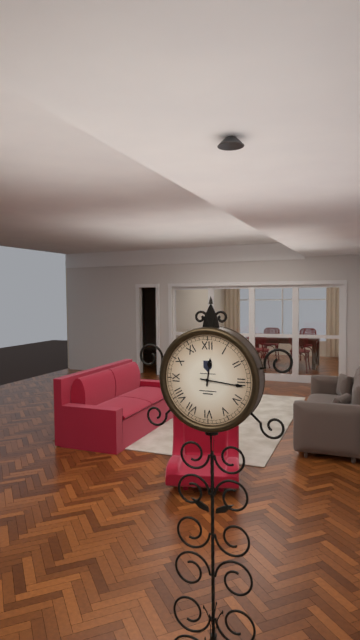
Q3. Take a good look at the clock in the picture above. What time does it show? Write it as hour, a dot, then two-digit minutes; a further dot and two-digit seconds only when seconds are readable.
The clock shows 12.16
